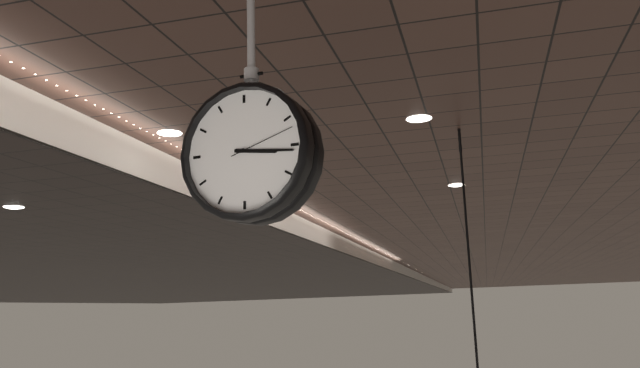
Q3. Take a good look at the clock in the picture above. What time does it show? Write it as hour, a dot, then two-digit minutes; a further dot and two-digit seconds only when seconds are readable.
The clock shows 3.16.12
